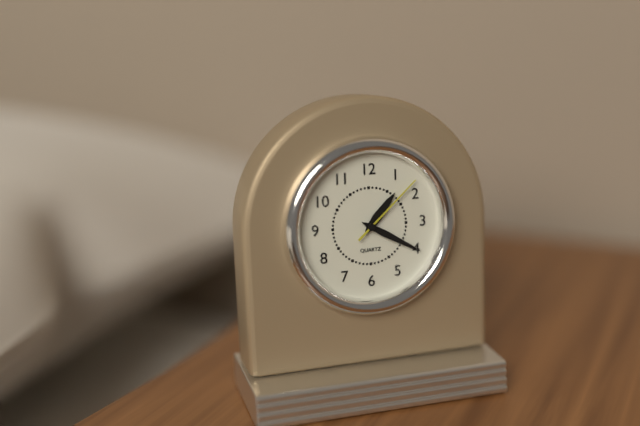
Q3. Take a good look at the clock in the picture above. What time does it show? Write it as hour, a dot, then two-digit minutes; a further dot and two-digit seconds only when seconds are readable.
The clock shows 1.20.08
